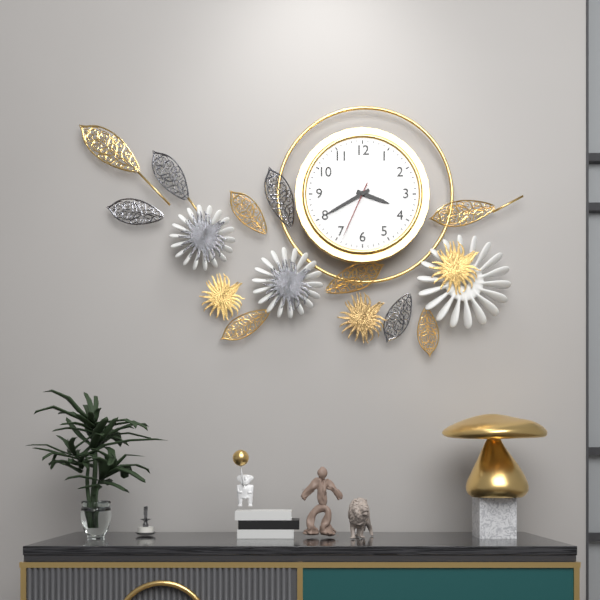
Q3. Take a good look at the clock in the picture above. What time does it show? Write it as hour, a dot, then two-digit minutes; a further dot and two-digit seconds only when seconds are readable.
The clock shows 3.40.34
